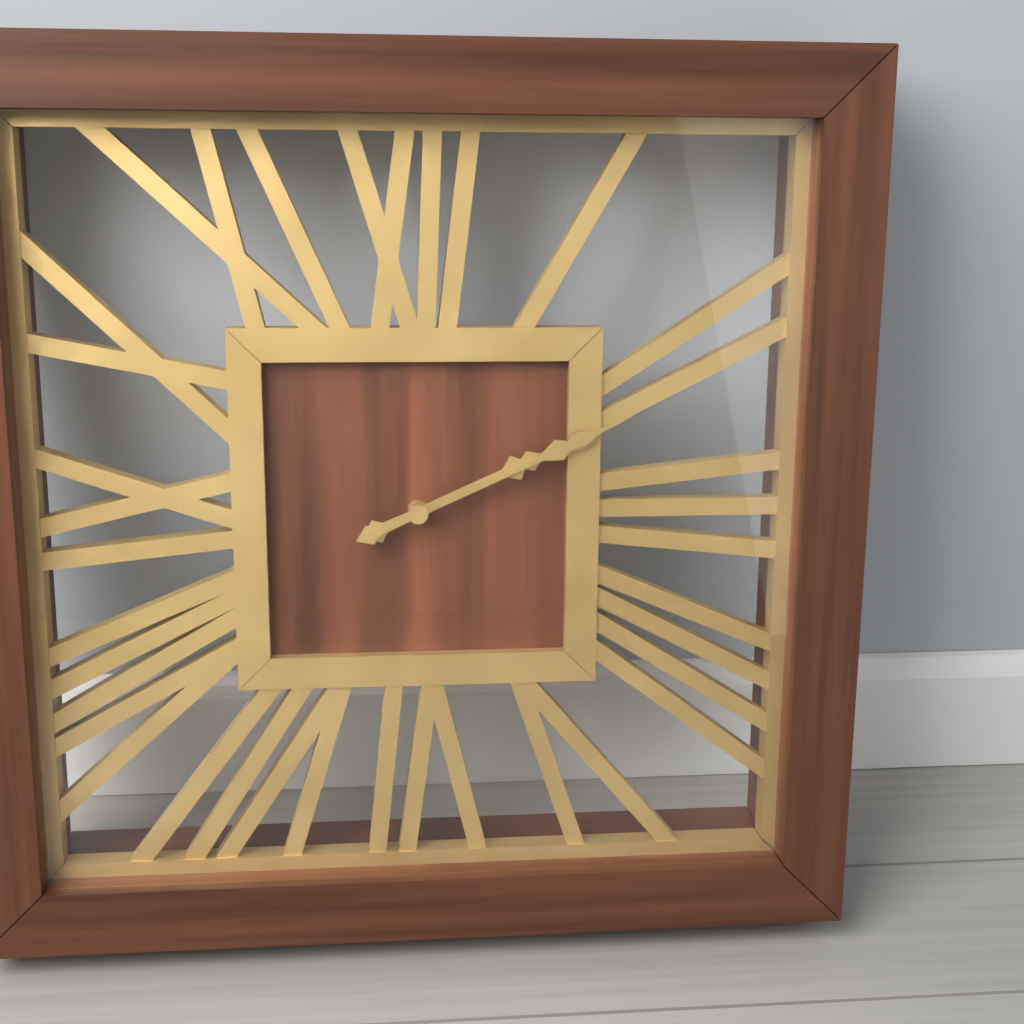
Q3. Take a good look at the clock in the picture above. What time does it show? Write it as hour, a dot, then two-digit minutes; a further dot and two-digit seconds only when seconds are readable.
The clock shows 2.11
